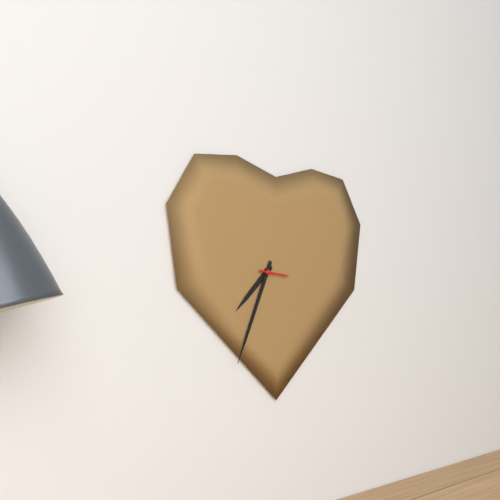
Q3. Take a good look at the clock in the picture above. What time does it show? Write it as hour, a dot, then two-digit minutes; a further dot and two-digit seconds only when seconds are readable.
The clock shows 7.34
